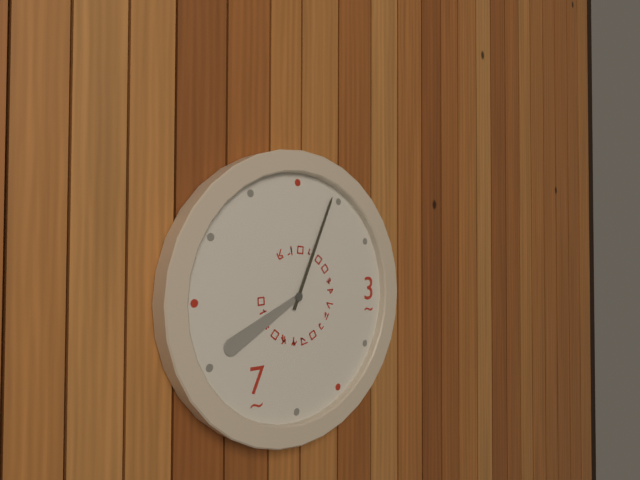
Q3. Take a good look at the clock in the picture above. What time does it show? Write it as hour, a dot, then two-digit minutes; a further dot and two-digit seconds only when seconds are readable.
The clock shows 8.04
